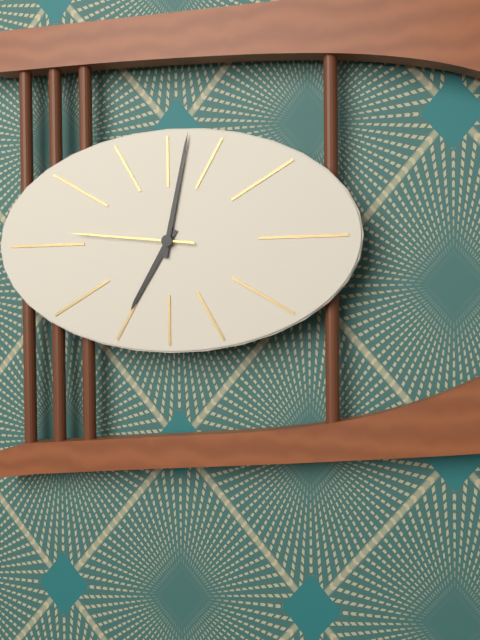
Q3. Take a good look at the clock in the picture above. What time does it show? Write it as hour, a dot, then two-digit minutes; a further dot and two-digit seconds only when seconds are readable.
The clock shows 7.02.46
